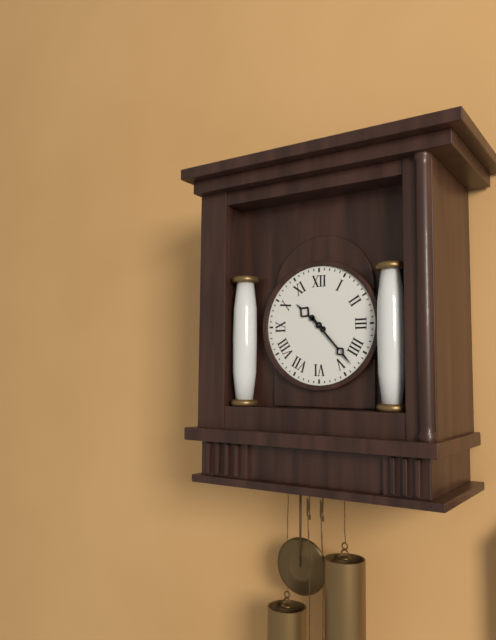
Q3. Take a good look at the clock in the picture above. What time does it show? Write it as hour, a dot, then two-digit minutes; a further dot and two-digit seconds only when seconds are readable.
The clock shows 10.23
